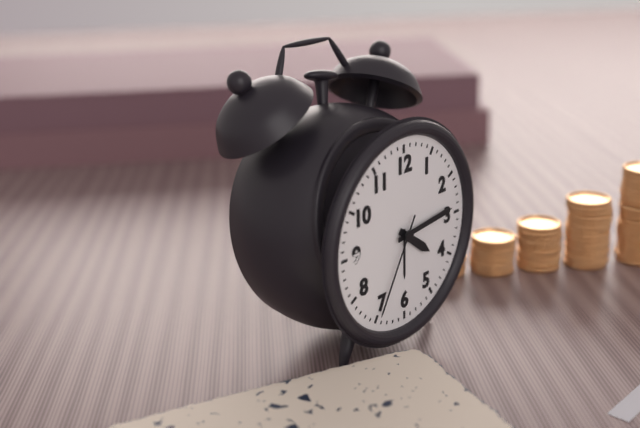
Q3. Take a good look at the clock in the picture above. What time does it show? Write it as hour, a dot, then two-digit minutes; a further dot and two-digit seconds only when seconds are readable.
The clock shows 4.14.35
